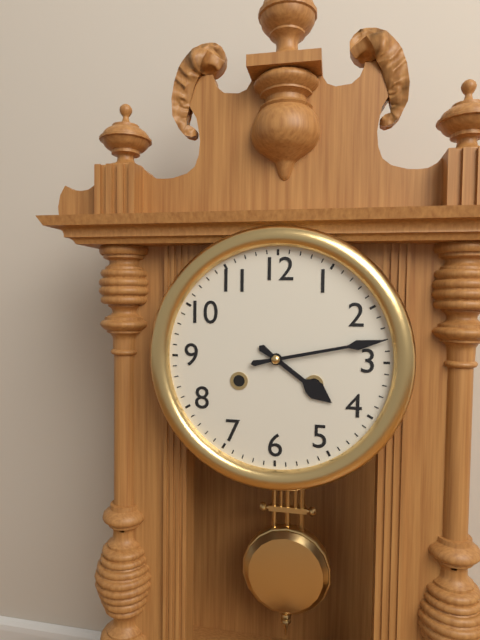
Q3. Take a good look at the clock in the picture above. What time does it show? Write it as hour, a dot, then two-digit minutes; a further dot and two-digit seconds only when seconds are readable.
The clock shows 4.13
